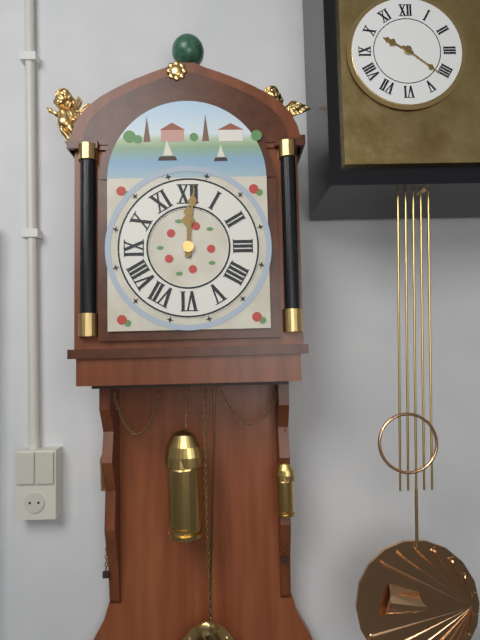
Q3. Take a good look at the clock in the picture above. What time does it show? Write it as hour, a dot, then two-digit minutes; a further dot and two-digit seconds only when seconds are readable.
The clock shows 12.01
